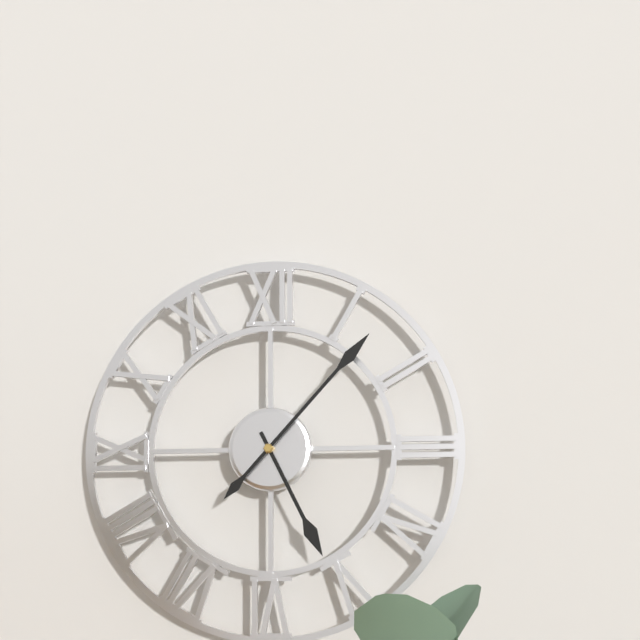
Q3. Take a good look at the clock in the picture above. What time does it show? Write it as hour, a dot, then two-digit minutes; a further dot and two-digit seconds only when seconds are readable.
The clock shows 5.07
